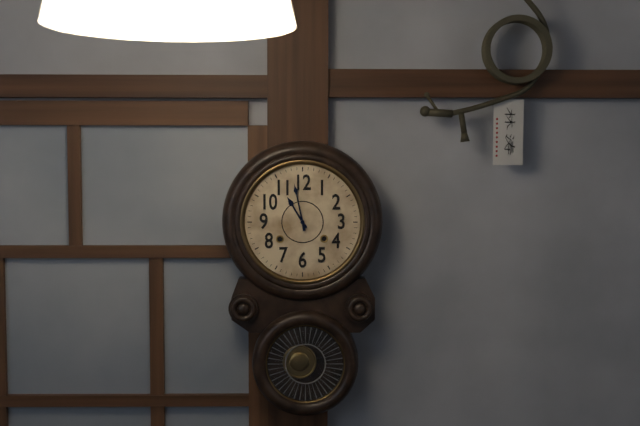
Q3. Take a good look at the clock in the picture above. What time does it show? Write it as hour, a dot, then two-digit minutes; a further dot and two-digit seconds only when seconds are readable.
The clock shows 10.58
